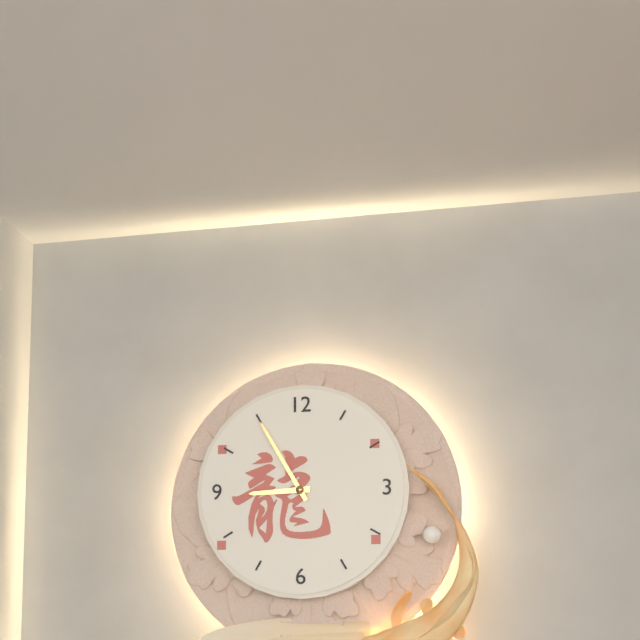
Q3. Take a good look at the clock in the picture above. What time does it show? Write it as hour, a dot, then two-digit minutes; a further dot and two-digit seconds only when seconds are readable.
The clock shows 8.55
